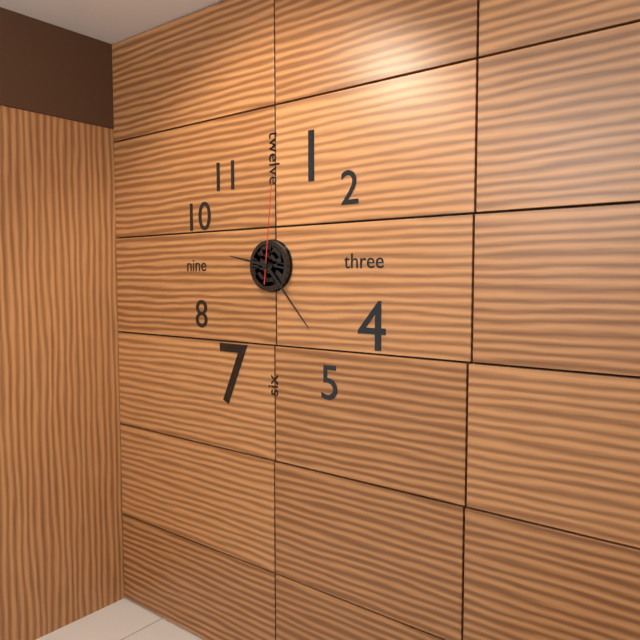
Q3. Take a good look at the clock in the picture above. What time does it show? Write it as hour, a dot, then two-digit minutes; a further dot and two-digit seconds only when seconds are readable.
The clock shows 9.23.01
